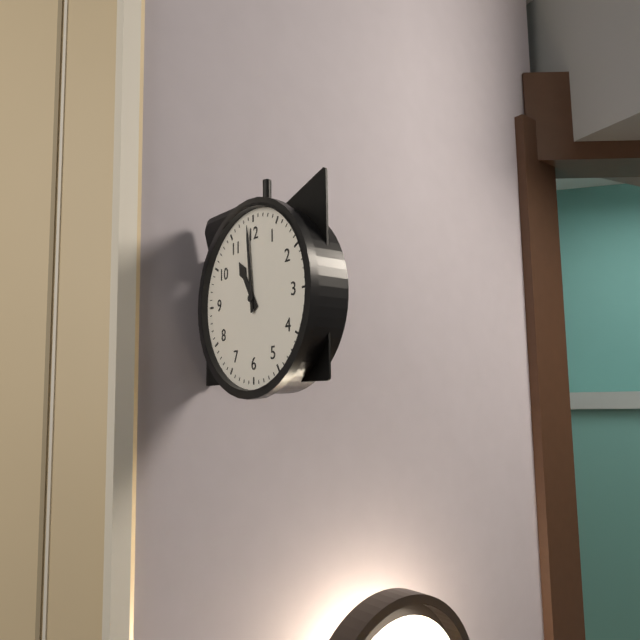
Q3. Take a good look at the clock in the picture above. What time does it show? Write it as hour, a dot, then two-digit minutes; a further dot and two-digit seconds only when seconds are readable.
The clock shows 10.59
